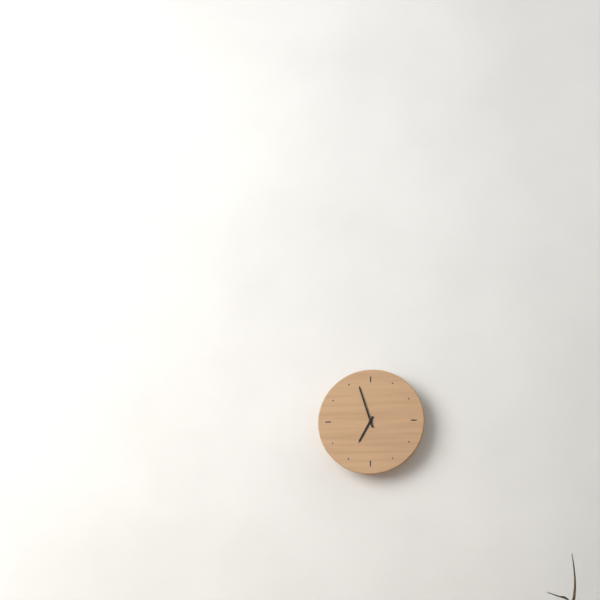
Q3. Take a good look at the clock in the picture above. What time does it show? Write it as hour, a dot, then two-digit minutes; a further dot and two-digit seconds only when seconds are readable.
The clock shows 6.57
